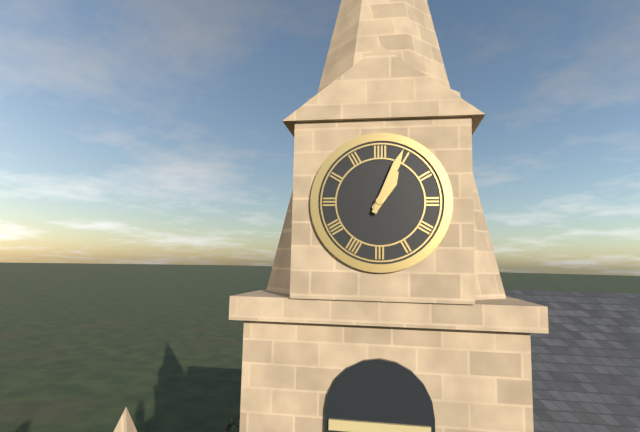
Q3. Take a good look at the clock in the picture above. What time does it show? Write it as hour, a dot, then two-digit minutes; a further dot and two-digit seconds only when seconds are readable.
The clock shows 1.04
